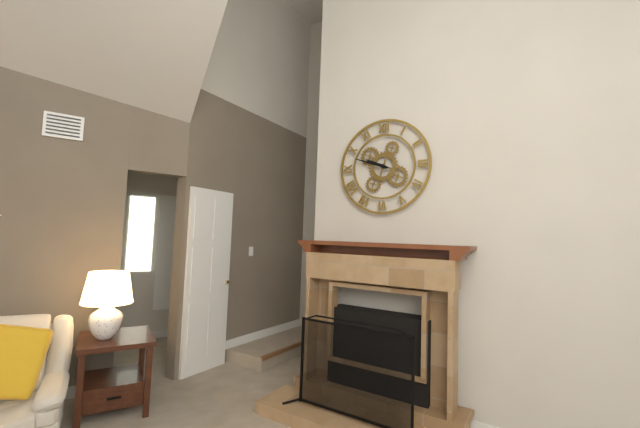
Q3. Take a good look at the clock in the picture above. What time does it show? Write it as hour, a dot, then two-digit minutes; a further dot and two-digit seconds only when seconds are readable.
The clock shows 9.48
